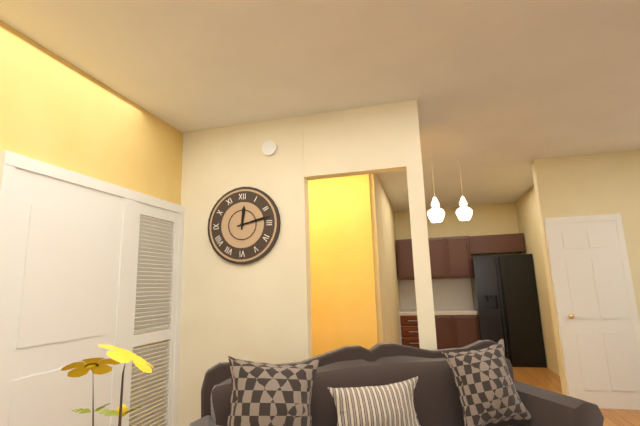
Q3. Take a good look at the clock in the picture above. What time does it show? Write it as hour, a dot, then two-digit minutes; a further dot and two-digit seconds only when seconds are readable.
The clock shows 12.13
